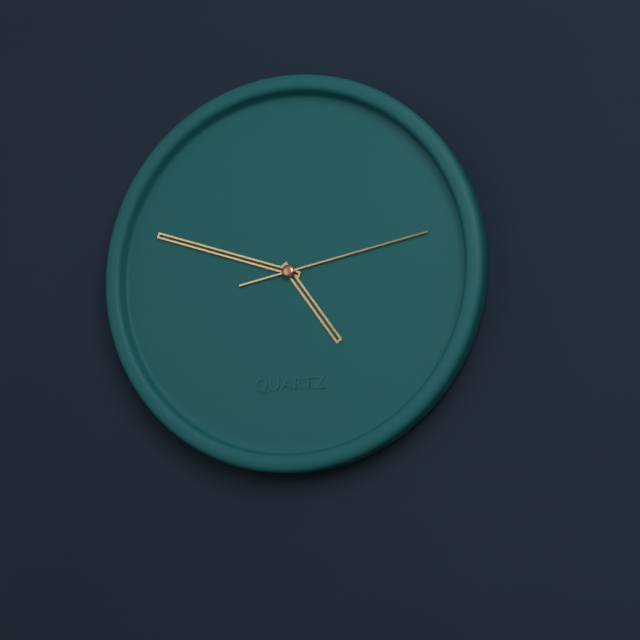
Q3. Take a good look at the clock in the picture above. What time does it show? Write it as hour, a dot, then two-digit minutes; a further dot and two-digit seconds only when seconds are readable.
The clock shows 4.48.13
